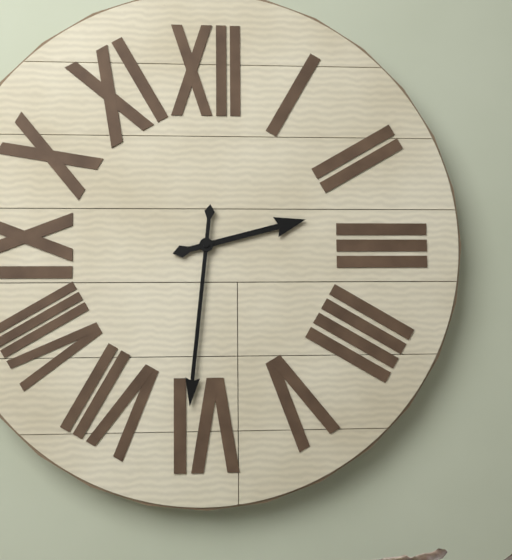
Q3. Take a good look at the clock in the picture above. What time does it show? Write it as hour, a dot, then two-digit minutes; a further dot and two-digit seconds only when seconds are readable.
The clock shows 2.31
